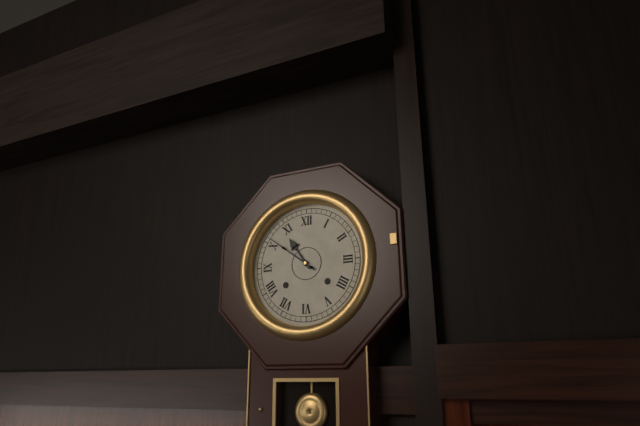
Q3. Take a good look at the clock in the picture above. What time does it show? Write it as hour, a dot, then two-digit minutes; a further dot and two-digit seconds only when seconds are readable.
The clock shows 10.51
